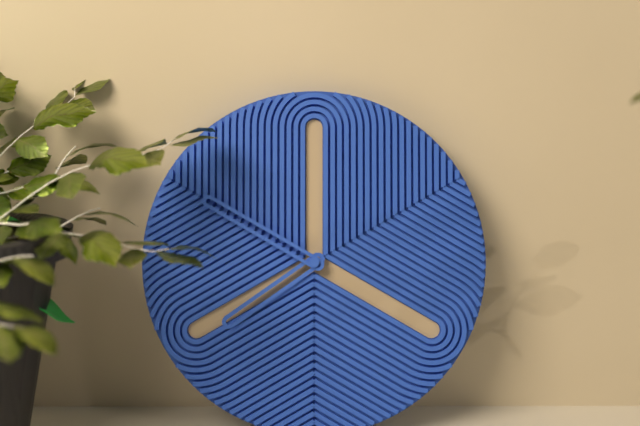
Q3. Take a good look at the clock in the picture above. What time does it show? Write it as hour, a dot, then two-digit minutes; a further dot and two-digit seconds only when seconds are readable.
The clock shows 7.50
